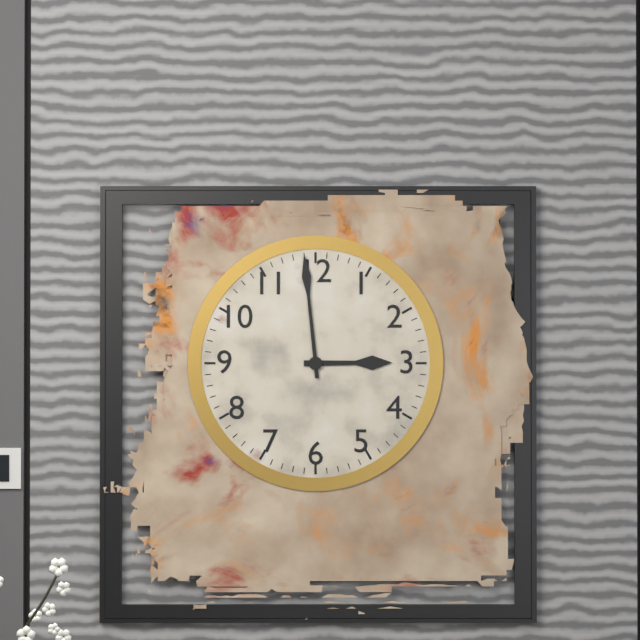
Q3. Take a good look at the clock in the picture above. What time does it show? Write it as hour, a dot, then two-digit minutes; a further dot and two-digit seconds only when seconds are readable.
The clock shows 2.59
